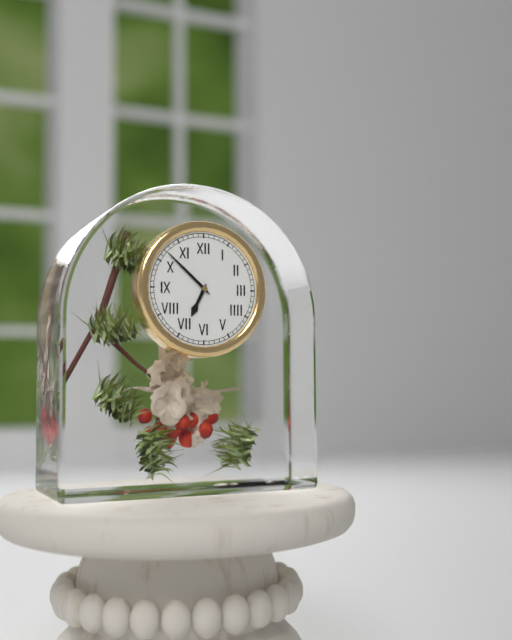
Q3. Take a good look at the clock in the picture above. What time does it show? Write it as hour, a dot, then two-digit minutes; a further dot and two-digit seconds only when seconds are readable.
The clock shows 6.52
